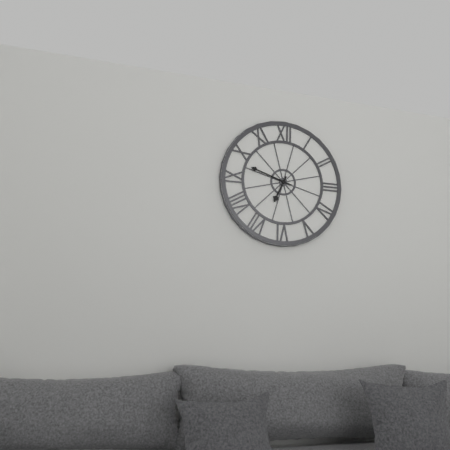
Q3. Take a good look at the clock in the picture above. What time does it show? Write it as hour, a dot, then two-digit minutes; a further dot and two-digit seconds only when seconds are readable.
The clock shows 6.48
